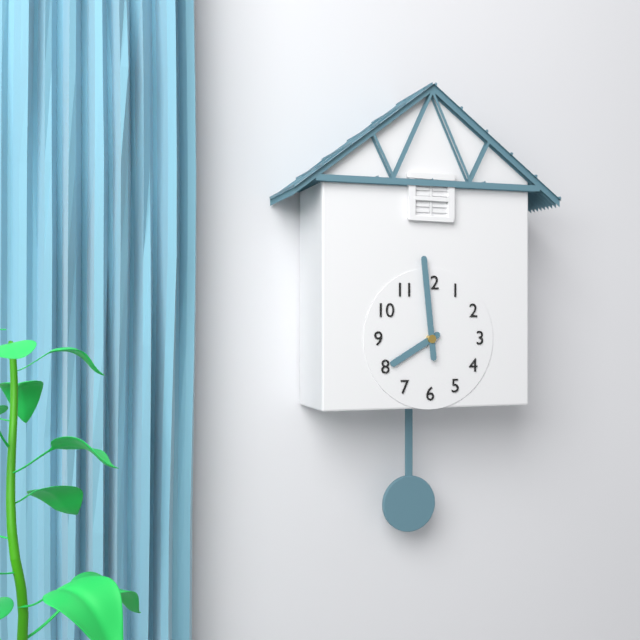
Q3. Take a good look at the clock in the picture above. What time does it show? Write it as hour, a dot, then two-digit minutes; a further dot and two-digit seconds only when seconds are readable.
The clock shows 7.59
